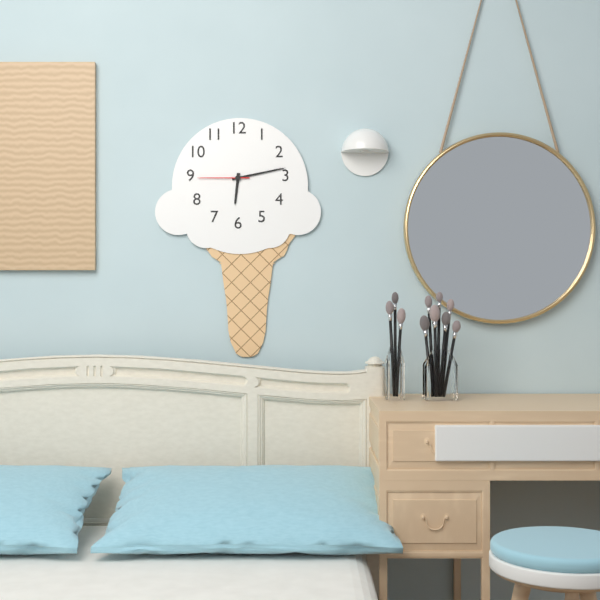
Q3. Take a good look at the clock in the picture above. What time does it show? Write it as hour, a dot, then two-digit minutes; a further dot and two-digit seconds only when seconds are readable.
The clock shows 6.13.45
